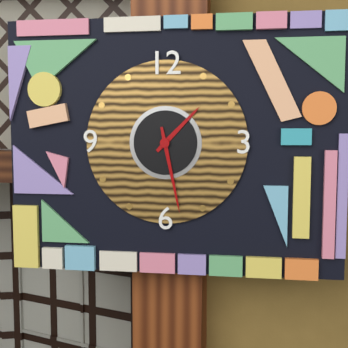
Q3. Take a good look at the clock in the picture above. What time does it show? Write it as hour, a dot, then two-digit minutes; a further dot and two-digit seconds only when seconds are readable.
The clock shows 1.28
